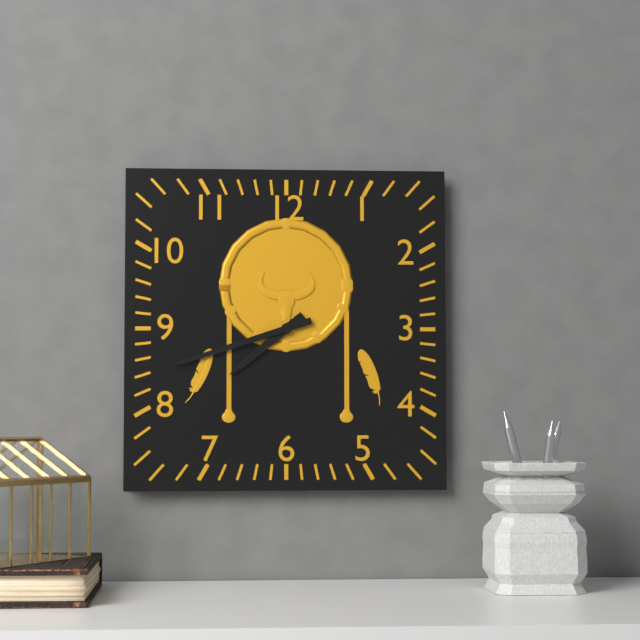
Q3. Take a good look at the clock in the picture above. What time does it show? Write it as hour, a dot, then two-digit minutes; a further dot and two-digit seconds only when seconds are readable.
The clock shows 7.42
